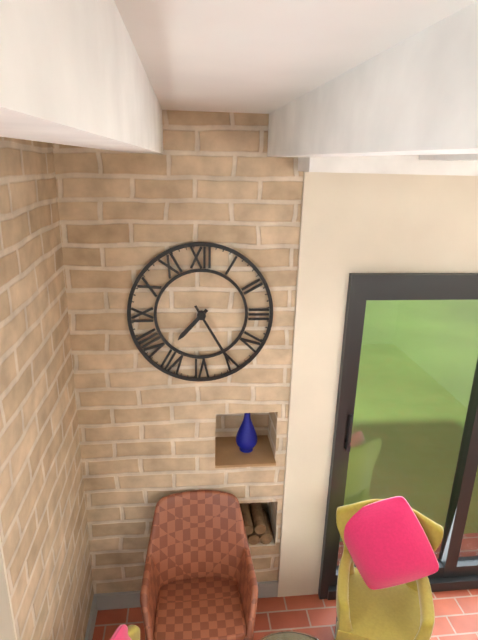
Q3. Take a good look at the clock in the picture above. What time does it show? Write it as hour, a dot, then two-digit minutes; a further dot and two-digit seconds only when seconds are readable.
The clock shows 7.25
